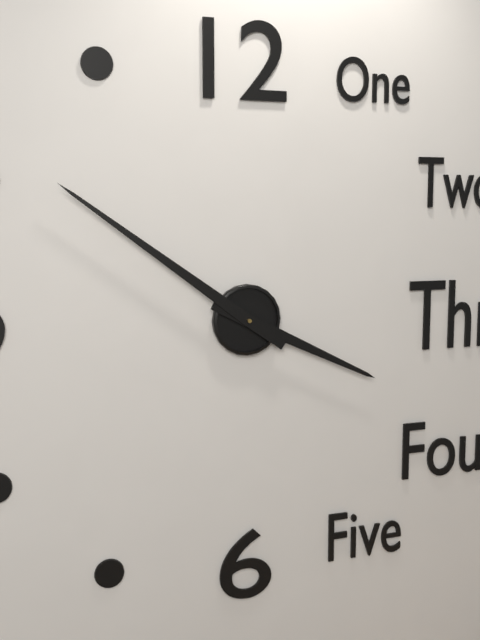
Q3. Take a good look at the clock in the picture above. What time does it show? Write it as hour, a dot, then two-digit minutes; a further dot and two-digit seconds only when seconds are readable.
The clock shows 3.51
